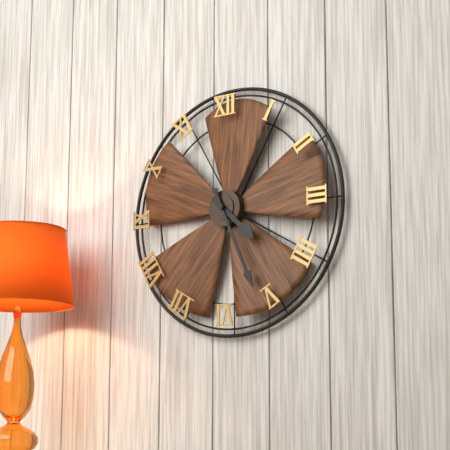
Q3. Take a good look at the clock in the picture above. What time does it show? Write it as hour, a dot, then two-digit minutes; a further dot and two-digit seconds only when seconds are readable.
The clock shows 4.26
